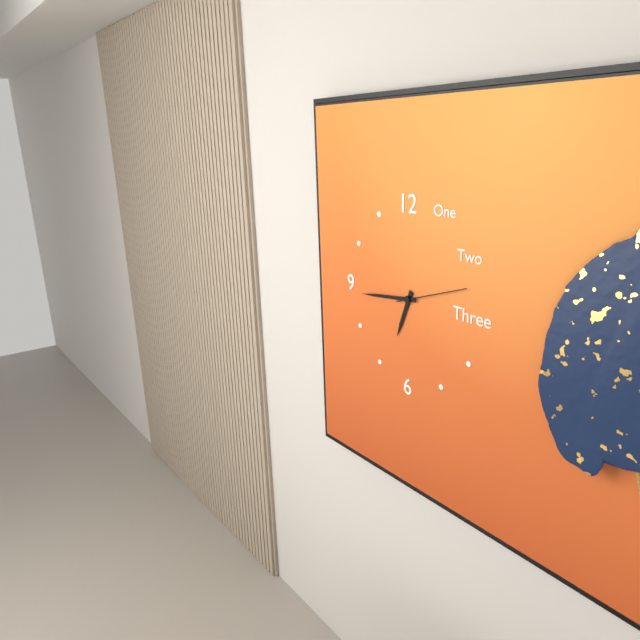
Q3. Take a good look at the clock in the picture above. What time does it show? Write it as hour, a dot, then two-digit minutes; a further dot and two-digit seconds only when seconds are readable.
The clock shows 6.44.12
